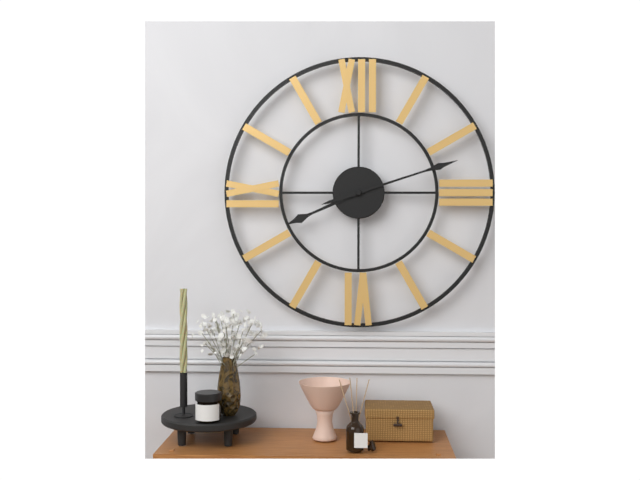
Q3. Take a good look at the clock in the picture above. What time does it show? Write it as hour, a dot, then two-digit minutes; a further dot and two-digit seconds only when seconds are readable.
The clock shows 8.12
